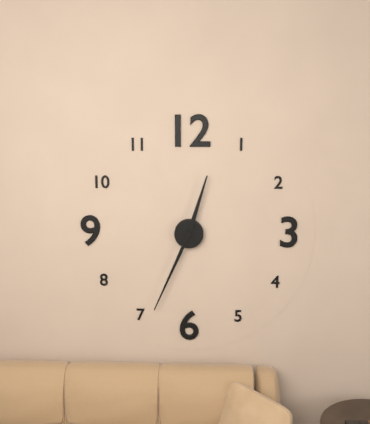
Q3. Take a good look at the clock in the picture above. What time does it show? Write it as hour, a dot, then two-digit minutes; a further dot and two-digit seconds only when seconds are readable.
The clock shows 12.34
